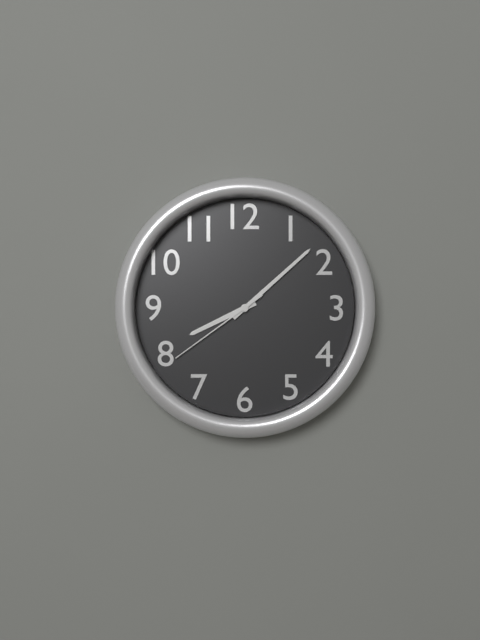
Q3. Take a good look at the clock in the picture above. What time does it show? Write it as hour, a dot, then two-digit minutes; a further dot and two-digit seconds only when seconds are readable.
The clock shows 8.08.39
